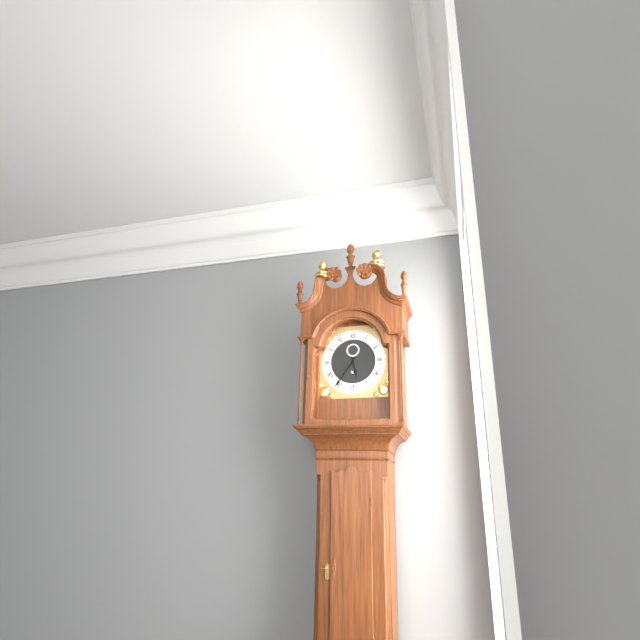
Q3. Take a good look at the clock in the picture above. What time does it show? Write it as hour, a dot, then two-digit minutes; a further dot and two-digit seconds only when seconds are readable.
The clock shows 5.36
